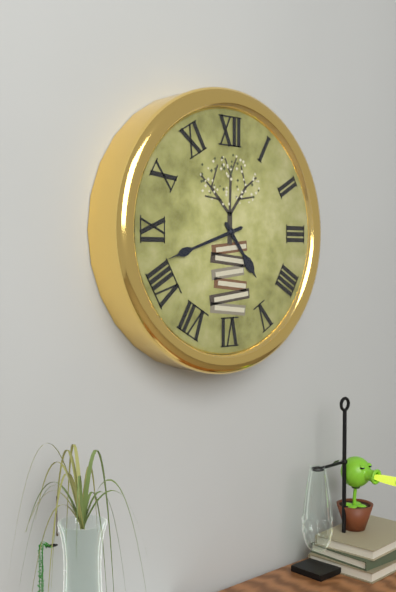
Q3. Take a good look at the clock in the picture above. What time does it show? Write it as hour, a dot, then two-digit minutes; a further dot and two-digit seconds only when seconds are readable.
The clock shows 4.42
